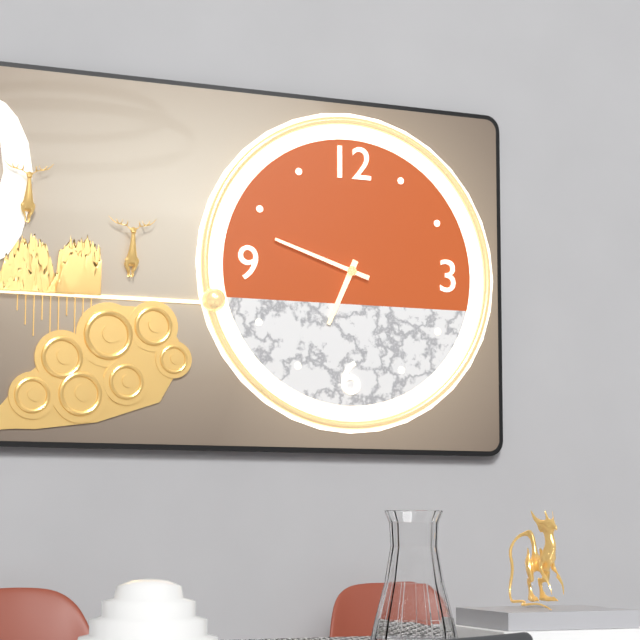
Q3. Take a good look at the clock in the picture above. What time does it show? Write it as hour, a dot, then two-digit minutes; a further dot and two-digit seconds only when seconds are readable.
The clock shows 6.48
